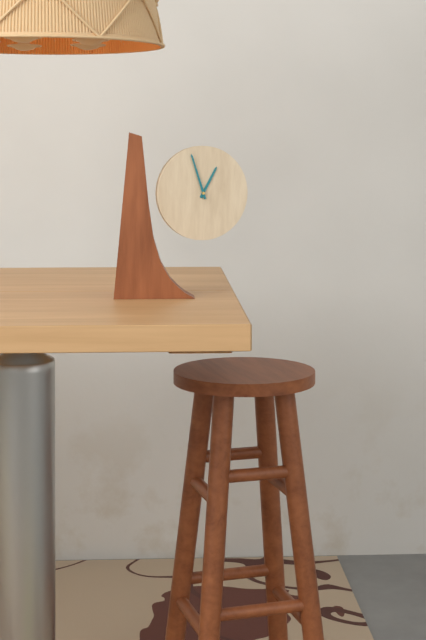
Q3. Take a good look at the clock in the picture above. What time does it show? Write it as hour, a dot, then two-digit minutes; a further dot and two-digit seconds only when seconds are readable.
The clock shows 12.57
